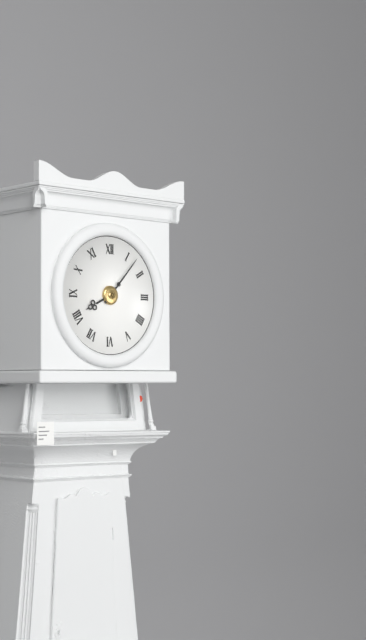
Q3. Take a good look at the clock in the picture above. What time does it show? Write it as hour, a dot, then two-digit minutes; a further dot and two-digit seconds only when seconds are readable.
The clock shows 8.07
